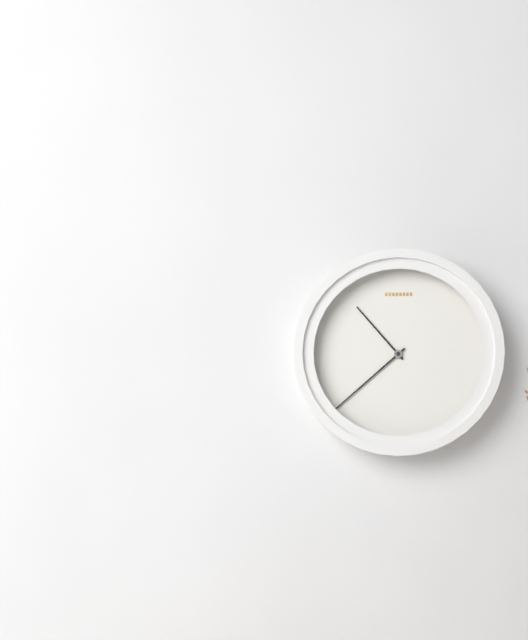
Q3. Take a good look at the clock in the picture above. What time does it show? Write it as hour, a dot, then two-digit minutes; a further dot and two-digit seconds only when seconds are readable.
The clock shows 10.38
